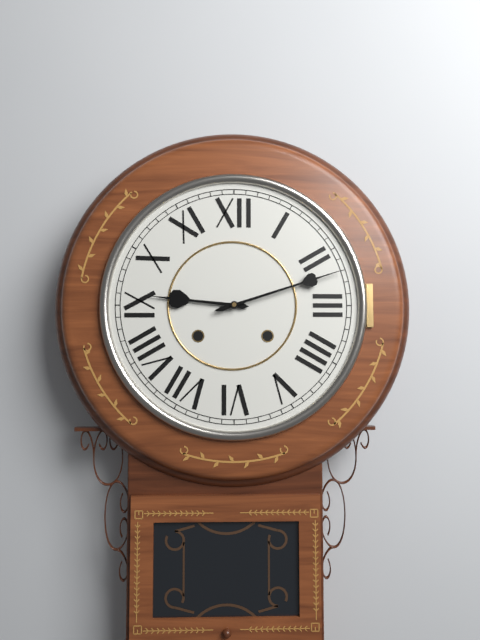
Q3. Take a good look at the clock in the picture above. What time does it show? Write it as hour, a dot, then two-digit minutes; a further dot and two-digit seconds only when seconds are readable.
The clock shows 9.12
